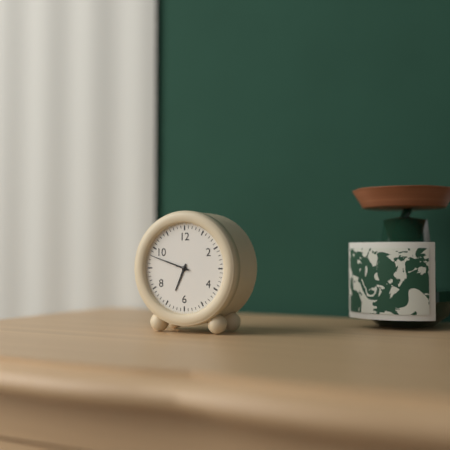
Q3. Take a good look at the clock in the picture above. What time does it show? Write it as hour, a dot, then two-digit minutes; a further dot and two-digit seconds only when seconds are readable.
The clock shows 6.48
